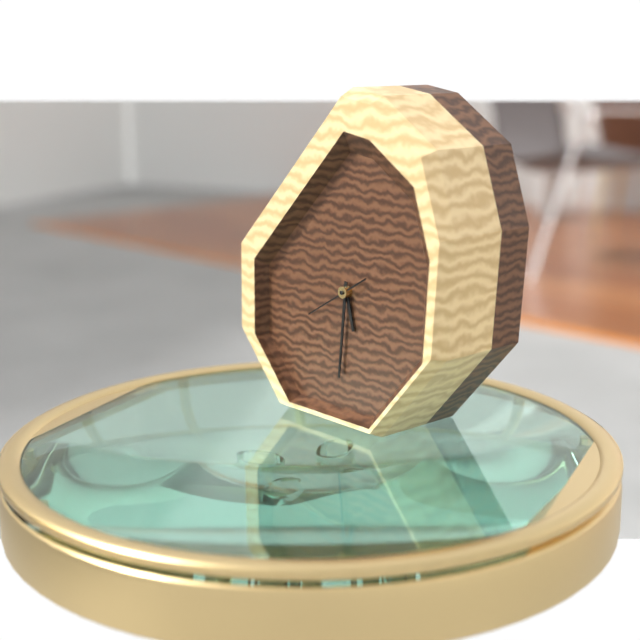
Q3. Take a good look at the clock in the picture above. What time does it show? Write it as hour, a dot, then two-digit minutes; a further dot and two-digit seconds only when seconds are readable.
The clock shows 5.31.40
